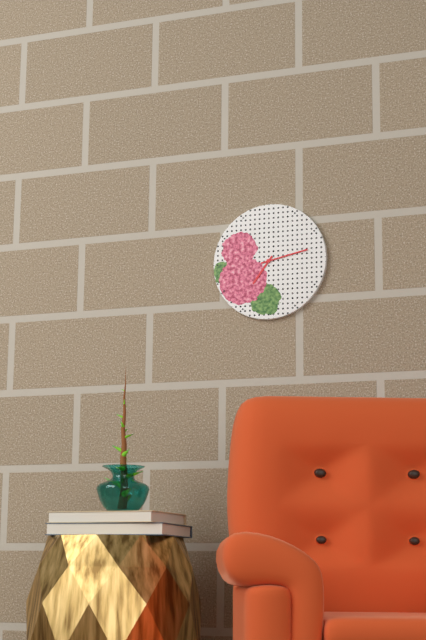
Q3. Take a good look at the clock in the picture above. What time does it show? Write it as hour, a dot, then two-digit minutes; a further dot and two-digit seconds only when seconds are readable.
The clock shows 7.13
